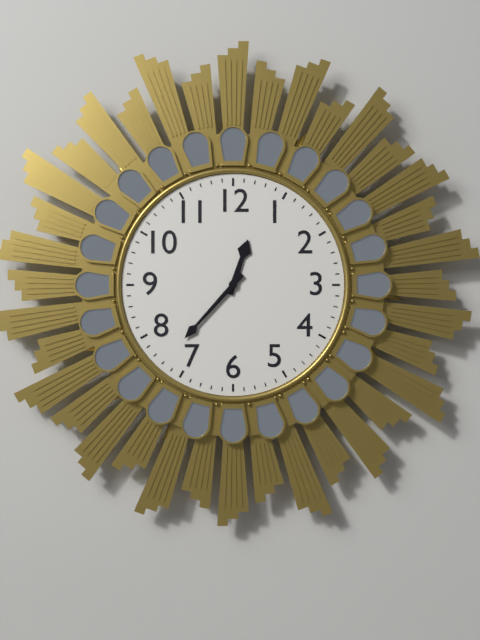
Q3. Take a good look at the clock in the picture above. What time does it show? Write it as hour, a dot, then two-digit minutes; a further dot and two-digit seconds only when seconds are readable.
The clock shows 12.37
